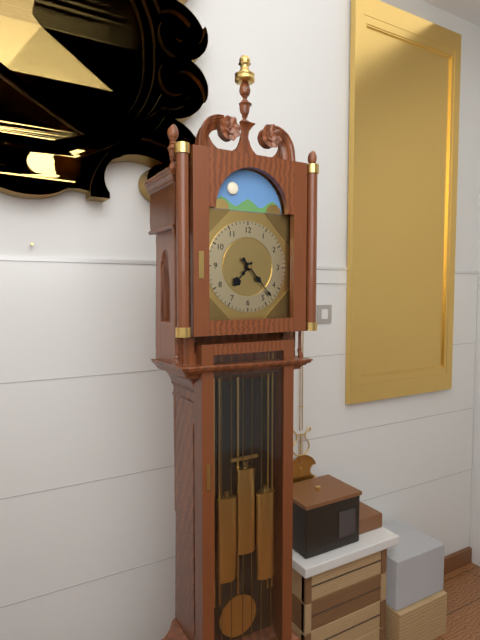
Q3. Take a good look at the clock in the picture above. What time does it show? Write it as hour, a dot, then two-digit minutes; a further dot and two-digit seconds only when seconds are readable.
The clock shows 7.23
